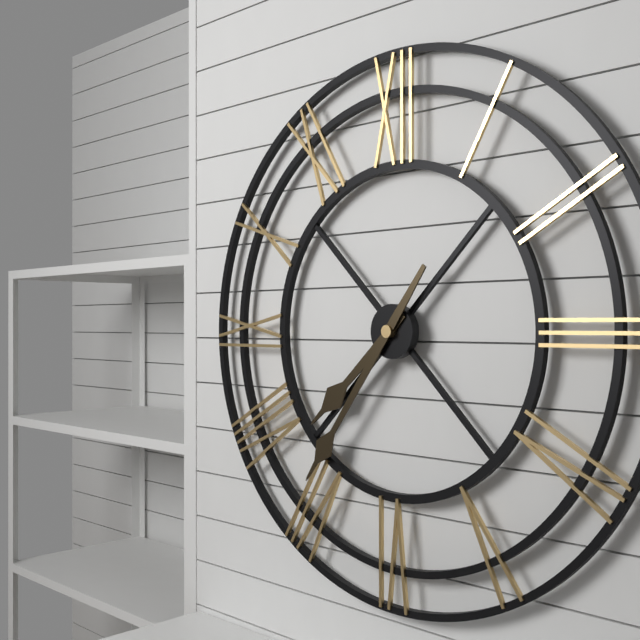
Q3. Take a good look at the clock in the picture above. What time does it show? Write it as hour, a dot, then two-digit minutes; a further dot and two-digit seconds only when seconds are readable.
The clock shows 7.36
